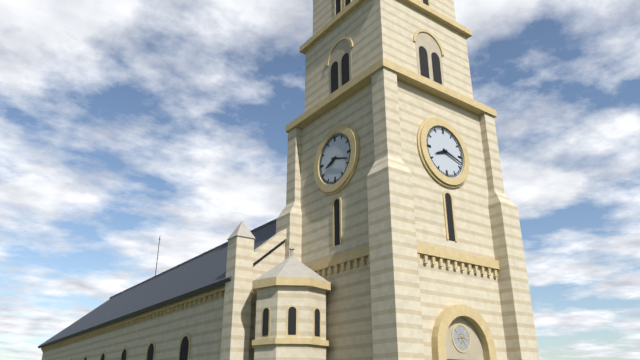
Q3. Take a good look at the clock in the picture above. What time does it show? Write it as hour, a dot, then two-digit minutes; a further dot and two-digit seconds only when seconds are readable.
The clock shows 8.18
